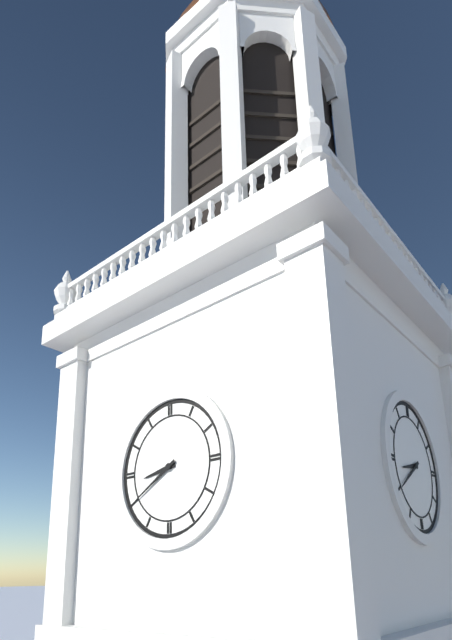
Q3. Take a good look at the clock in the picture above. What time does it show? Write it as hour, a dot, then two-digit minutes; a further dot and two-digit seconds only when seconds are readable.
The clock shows 8.40
